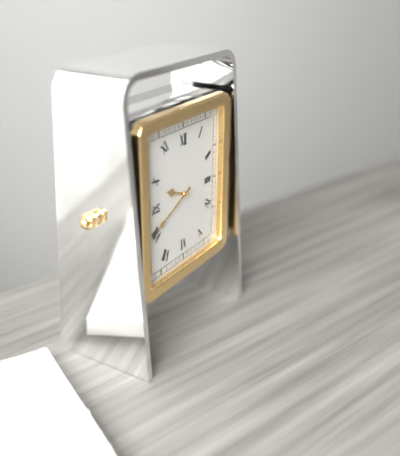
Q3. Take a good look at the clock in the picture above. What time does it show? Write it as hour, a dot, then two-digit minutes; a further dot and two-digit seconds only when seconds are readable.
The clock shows 9.41
